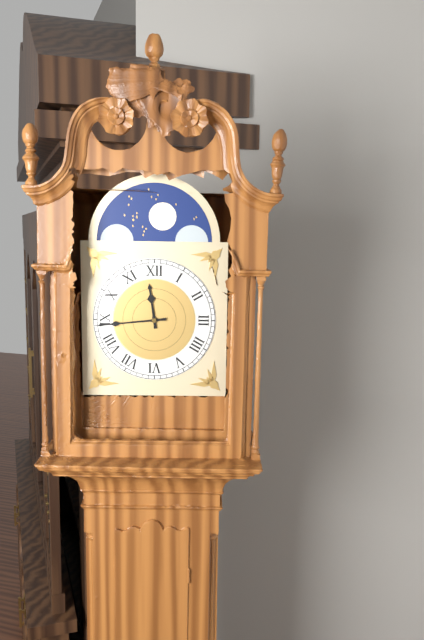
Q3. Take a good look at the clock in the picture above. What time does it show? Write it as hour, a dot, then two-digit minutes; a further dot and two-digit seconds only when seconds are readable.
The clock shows 11.44
